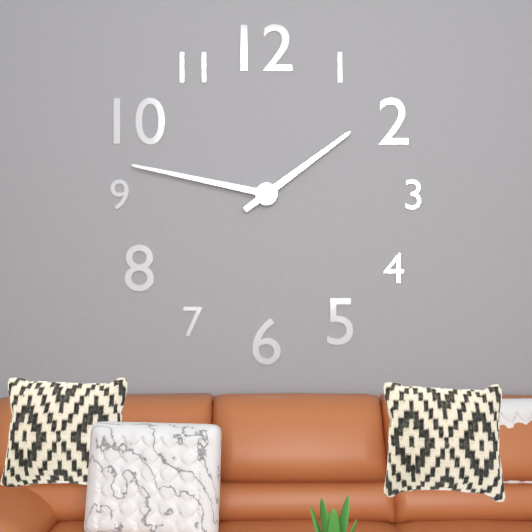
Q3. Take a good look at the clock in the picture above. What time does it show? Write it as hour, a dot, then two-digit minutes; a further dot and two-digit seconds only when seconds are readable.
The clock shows 1.47
